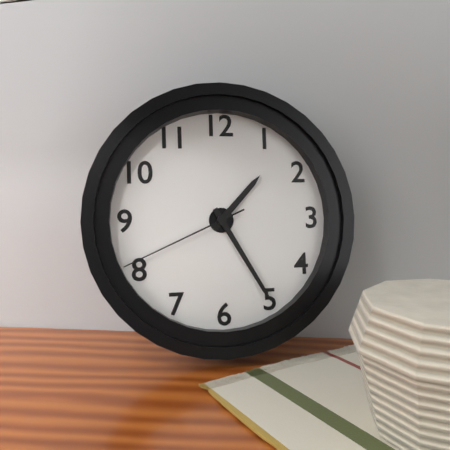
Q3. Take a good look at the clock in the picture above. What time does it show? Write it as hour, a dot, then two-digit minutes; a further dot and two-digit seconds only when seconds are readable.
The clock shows 1.25.41
